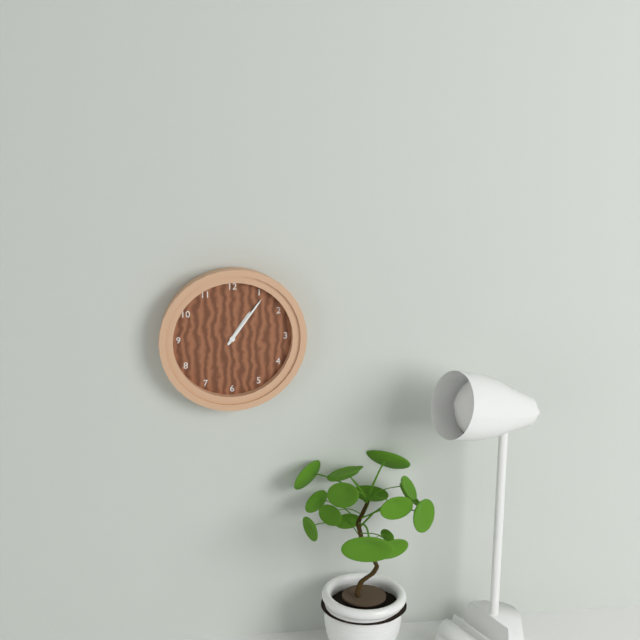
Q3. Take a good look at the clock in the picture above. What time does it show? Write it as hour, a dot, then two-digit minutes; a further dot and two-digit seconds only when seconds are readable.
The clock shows 1.06
